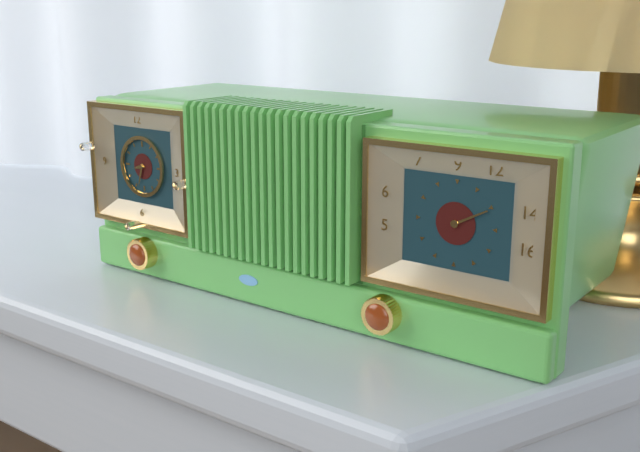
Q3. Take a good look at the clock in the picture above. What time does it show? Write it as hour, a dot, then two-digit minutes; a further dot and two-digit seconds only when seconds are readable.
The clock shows 8.33
